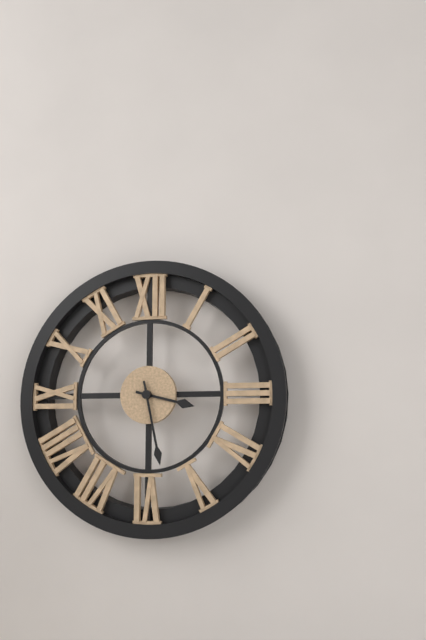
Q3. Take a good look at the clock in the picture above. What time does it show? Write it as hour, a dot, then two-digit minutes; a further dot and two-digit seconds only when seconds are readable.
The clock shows 3.28
